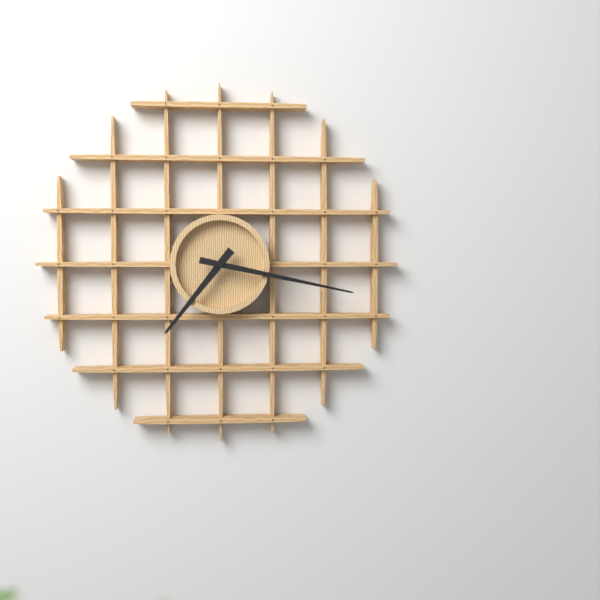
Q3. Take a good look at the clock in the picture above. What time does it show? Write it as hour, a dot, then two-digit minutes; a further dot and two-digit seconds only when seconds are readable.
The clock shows 7.17
